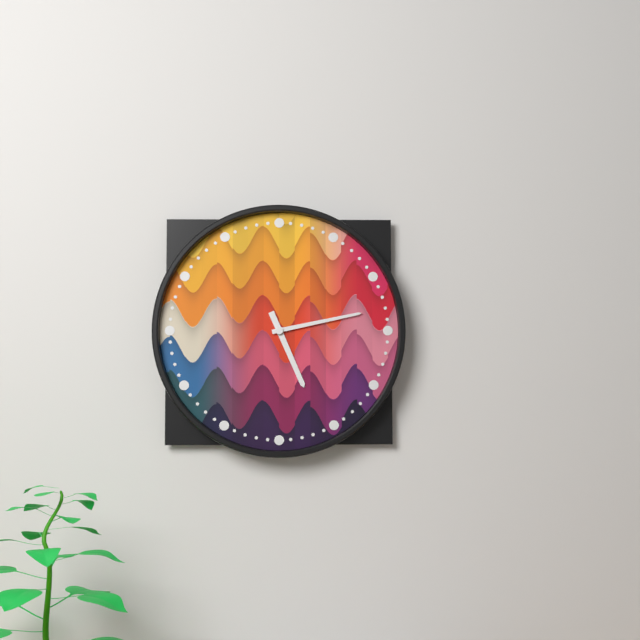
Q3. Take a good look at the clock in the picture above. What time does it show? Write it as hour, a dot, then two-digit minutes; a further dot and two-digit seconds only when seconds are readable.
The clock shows 5.13
